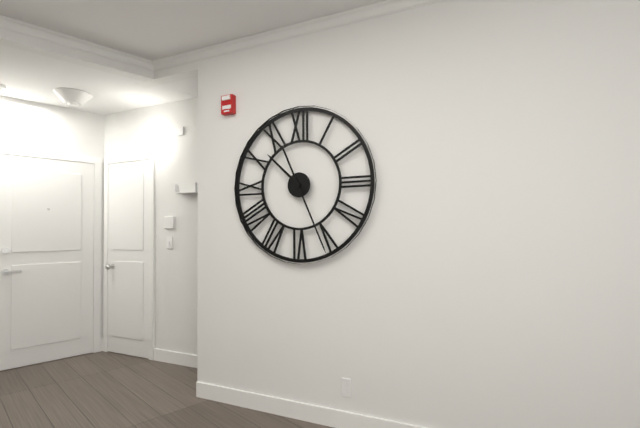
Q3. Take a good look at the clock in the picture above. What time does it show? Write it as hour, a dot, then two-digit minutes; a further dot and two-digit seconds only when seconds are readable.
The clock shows 10.26
